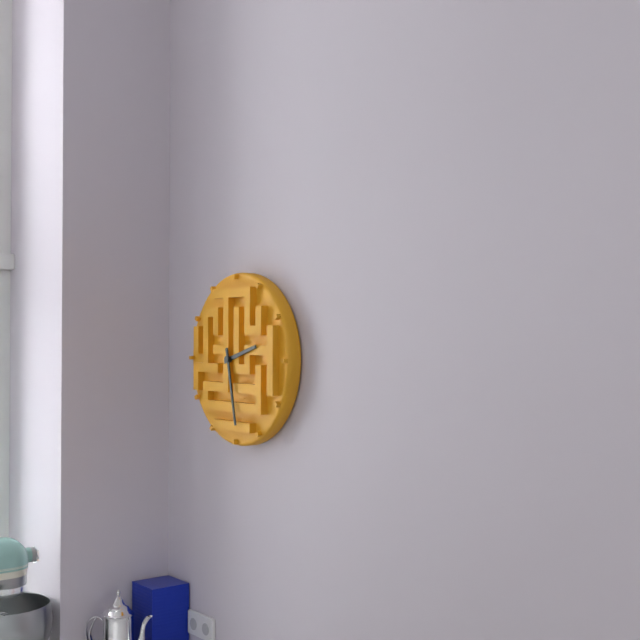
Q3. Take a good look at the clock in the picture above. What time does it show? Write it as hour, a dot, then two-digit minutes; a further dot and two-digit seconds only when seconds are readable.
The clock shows 2.28
